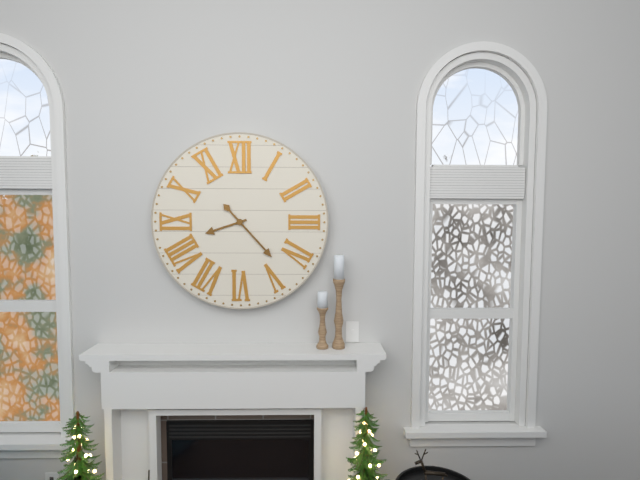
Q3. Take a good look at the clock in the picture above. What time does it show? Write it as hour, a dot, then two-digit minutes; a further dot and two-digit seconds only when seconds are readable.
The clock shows 8.23
